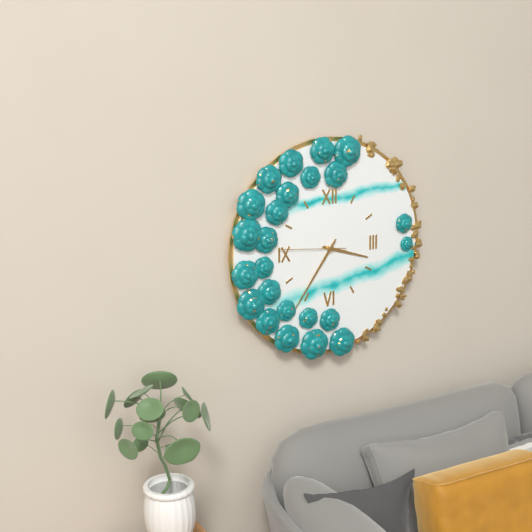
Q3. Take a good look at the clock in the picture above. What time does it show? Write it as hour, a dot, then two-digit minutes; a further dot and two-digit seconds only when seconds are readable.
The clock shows 3.36.46
